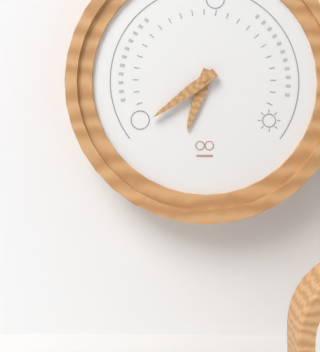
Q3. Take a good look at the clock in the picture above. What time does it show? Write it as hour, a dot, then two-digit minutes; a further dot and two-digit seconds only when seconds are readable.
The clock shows 6.39
